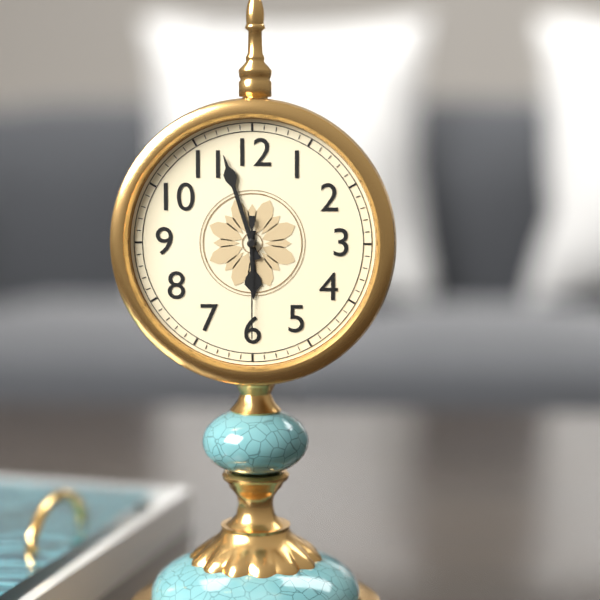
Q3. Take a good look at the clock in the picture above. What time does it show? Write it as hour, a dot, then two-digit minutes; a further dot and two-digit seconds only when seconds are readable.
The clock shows 5.57.30
